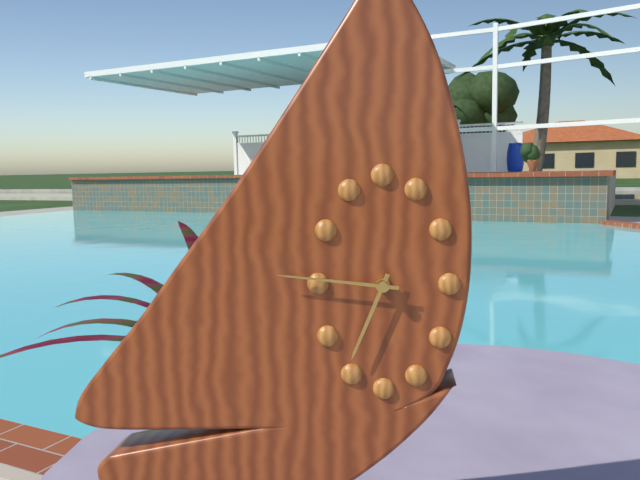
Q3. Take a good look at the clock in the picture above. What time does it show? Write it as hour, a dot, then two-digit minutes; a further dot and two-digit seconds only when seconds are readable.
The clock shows 6.46
